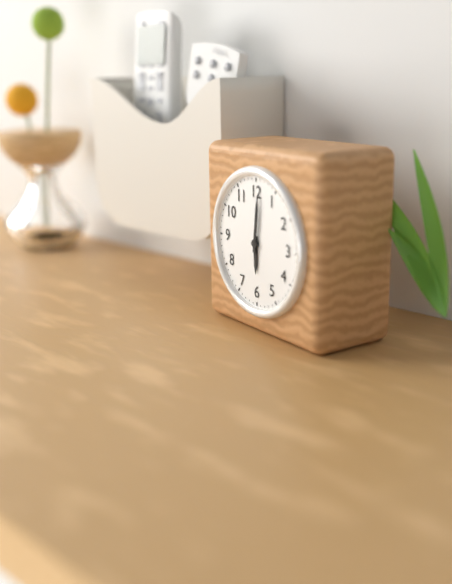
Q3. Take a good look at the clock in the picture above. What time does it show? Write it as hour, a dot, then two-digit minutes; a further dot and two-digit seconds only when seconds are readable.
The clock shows 6.01
